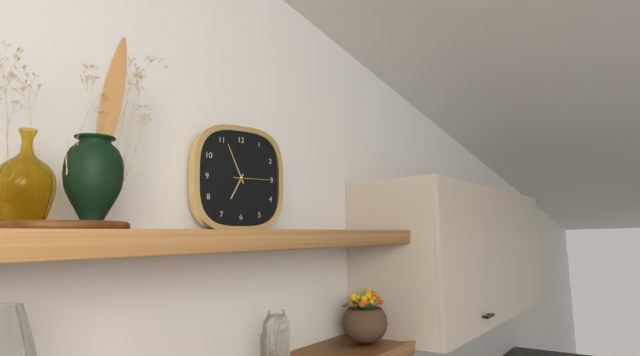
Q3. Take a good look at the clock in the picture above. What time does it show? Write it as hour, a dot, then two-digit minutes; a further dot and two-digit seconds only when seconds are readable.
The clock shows 6.56
